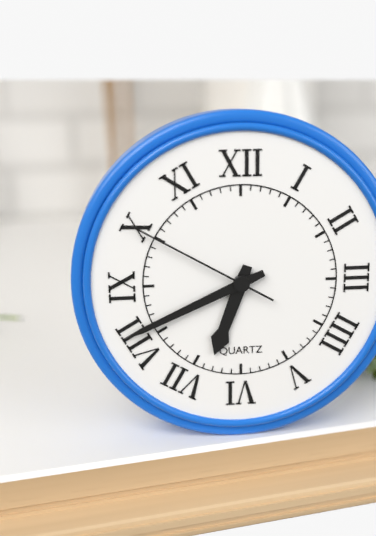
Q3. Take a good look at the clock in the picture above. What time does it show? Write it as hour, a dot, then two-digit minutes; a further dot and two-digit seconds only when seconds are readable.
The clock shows 6.41.50
